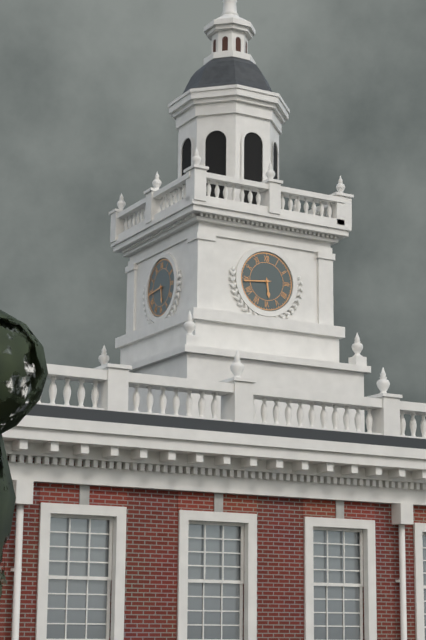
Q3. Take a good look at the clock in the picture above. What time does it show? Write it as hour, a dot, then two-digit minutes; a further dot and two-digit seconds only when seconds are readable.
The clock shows 5.44
